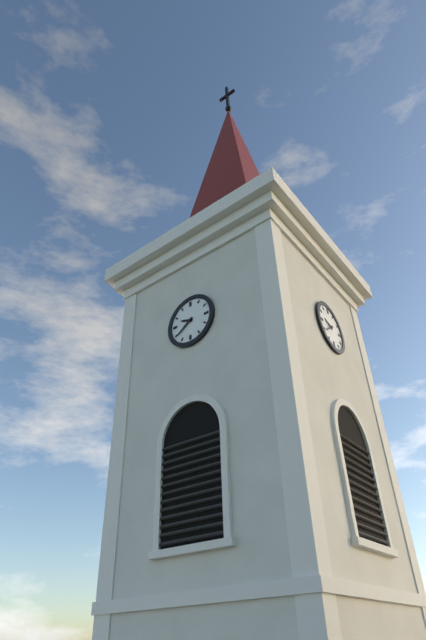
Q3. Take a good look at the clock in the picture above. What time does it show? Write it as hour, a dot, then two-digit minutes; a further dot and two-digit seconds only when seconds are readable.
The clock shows 9.39
